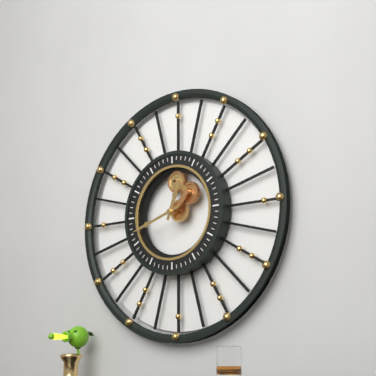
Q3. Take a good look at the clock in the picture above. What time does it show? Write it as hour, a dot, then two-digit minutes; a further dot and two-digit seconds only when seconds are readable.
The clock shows 12.42
